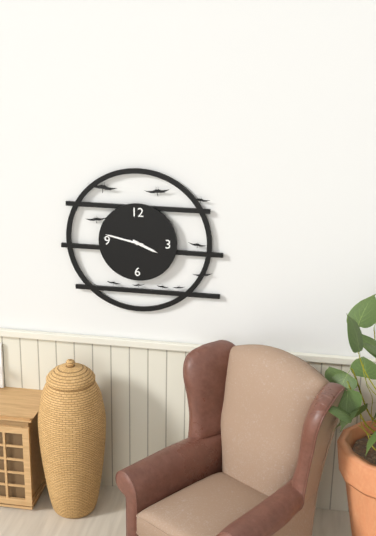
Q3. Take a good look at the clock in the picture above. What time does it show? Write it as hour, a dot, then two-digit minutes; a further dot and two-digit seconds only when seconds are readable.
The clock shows 3.47
